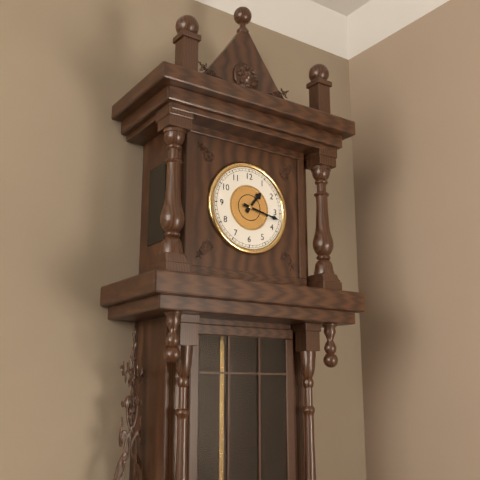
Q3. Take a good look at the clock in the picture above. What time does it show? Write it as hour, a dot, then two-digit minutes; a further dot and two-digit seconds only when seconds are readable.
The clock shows 1.17
